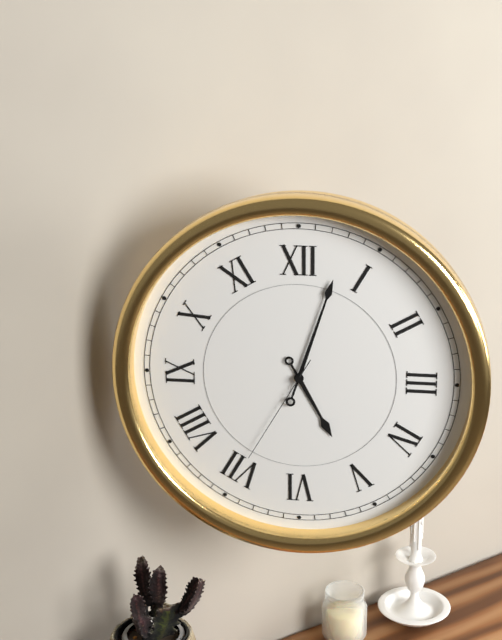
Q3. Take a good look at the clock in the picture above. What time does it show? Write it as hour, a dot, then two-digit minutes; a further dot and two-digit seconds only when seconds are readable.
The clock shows 5.03.35
